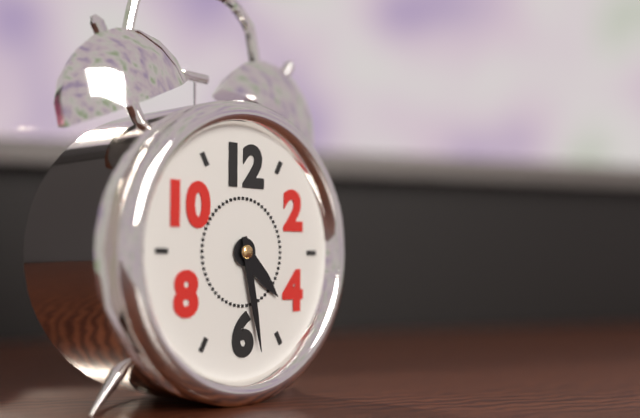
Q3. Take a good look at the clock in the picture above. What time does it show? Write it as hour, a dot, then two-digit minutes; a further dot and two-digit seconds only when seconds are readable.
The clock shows 4.28
